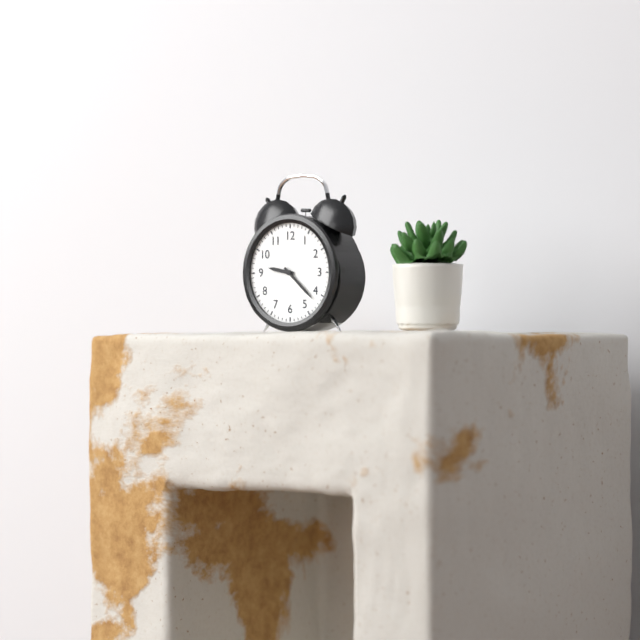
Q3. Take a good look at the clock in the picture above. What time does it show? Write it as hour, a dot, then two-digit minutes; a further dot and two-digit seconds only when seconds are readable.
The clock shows 9.22
